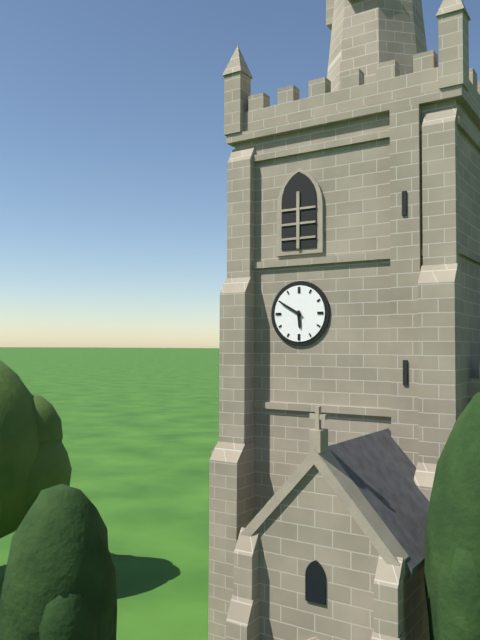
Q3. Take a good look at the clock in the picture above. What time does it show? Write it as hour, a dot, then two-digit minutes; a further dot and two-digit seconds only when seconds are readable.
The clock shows 5.50
